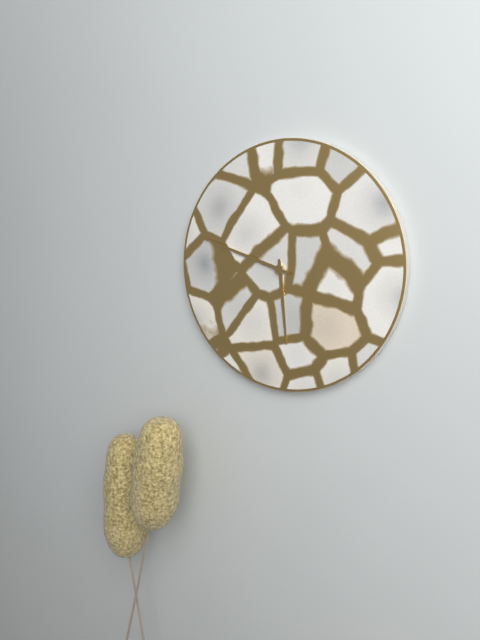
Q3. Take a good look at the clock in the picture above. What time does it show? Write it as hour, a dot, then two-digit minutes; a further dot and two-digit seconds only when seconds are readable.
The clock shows 5.48
